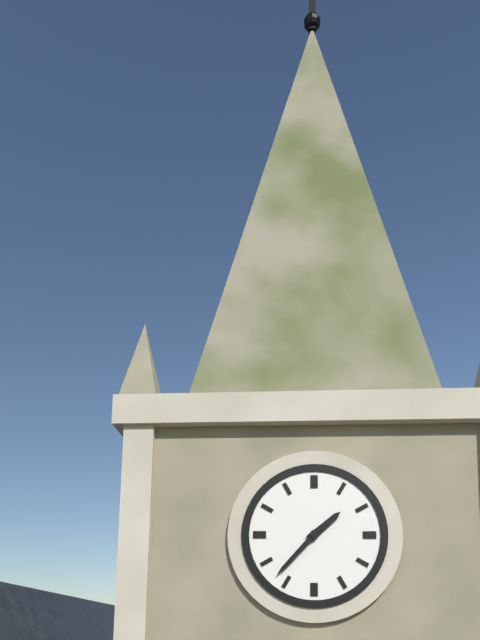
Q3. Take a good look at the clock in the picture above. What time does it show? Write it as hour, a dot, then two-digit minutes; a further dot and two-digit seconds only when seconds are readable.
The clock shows 1.37
